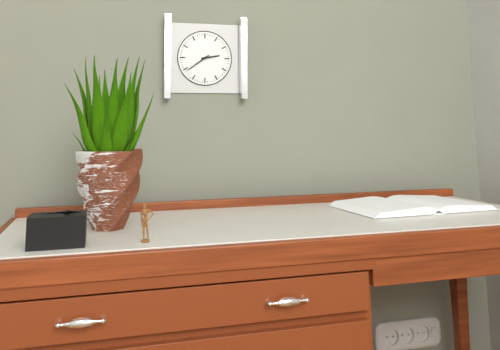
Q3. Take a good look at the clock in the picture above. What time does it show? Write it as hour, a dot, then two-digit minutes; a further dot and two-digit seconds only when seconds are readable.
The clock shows 2.39
